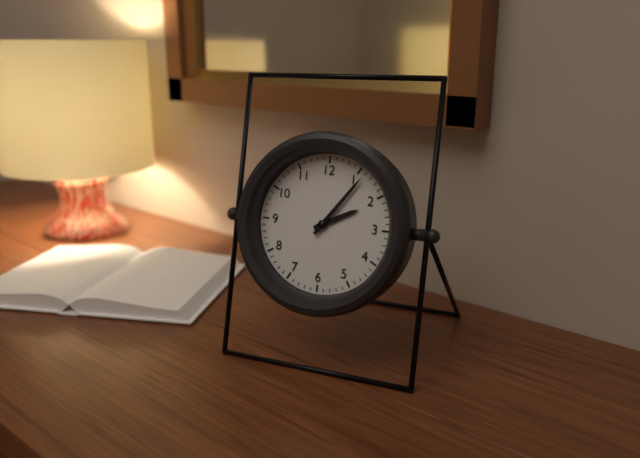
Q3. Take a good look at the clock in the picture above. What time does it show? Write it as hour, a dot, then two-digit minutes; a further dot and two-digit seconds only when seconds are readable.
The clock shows 2.06
